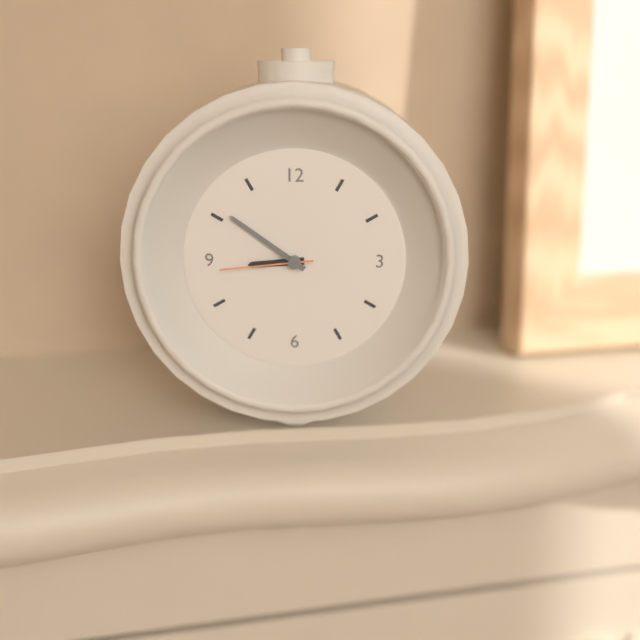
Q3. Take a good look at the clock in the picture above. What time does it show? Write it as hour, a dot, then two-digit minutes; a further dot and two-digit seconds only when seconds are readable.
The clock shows 8.51.44
